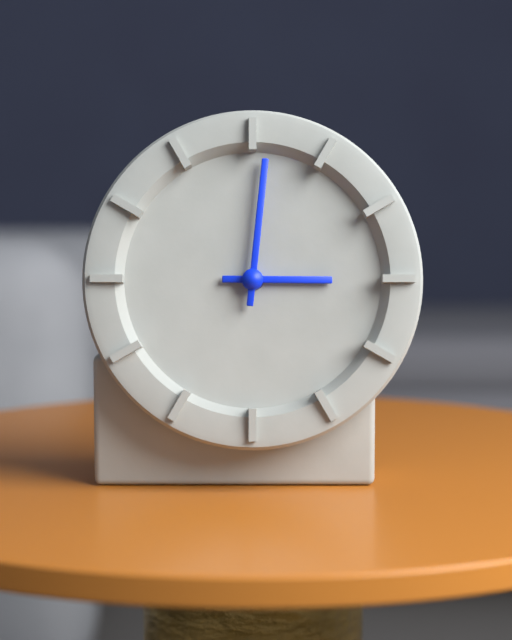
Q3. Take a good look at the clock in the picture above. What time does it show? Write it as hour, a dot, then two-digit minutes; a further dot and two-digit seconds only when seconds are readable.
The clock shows 3.01
